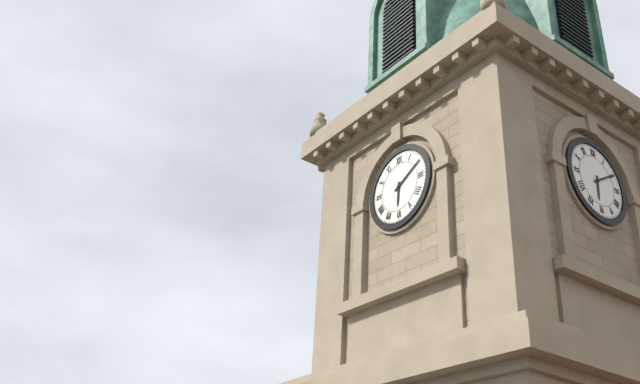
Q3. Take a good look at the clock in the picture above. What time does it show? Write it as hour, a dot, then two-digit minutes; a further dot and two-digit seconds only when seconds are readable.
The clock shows 6.10
